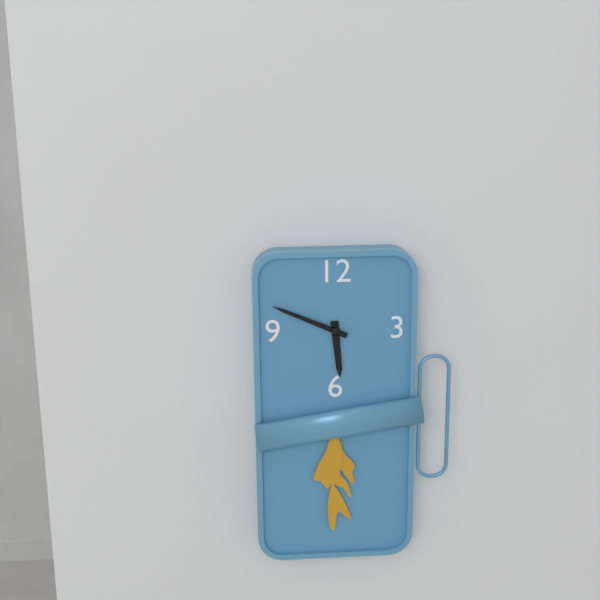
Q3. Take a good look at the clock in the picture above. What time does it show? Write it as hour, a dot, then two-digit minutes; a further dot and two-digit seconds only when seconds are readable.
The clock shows 5.49
